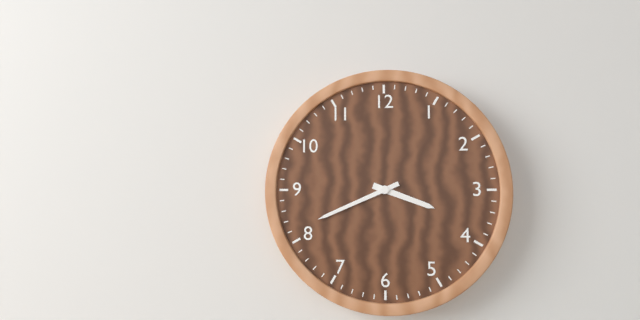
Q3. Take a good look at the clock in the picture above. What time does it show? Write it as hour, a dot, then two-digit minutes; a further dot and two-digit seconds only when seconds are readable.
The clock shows 3.41
